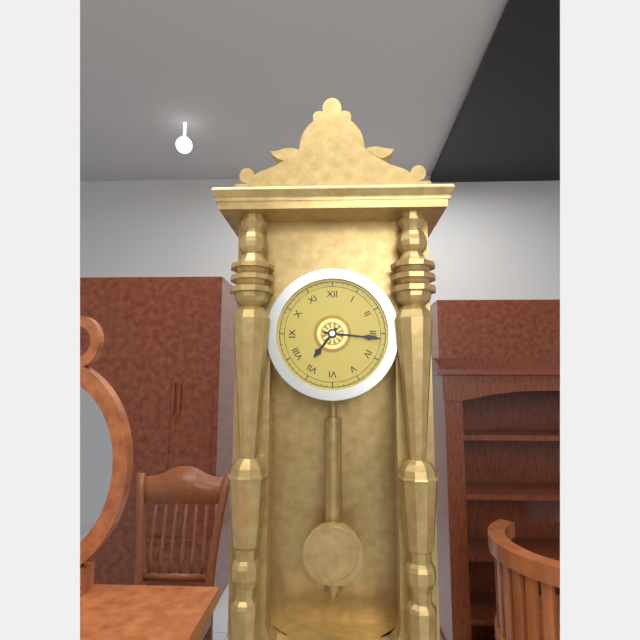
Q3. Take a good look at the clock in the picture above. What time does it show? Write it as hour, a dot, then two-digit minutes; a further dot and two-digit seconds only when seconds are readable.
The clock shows 7.16
